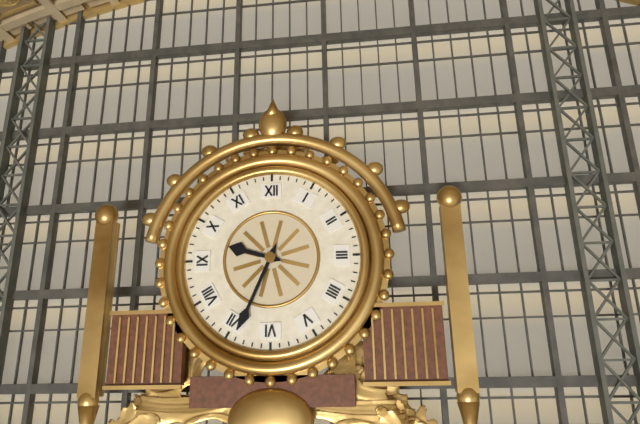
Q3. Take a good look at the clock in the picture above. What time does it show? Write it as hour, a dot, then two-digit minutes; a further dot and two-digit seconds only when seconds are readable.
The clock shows 9.34
